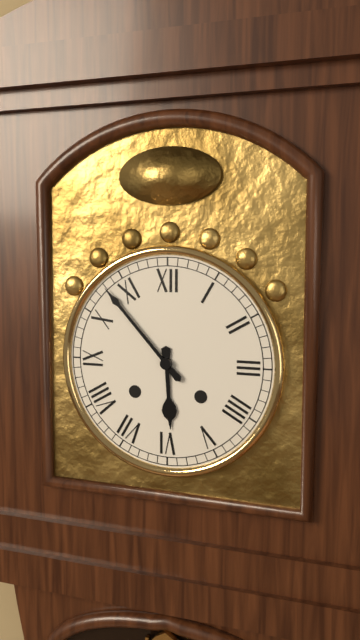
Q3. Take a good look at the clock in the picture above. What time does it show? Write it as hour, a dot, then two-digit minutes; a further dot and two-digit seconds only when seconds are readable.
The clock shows 5.53
